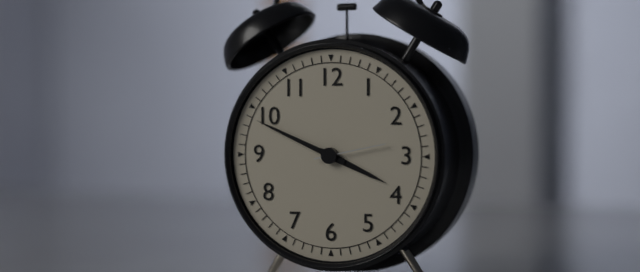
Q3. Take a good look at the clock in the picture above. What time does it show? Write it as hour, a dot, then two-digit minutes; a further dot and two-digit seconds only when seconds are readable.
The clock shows 3.49.13
